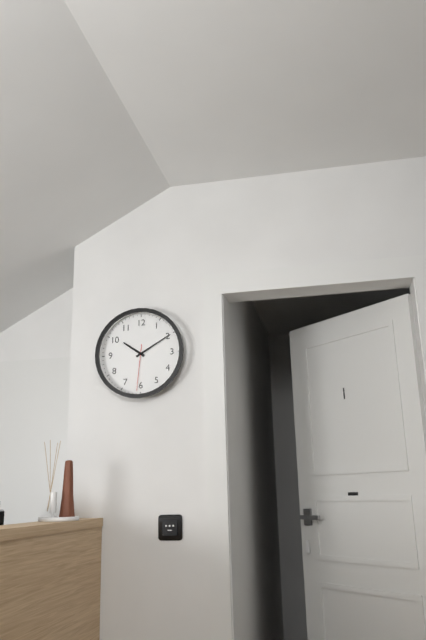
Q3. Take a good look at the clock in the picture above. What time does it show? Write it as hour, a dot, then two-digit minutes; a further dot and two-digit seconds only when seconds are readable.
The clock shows 10.10
